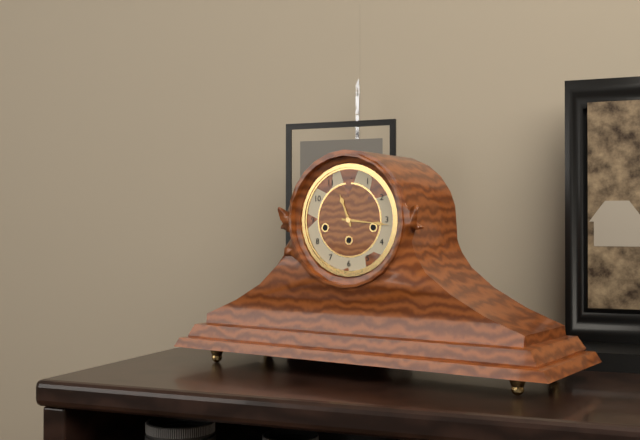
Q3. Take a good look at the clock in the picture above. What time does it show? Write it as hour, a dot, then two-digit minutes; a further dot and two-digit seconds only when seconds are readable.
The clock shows 11.16
